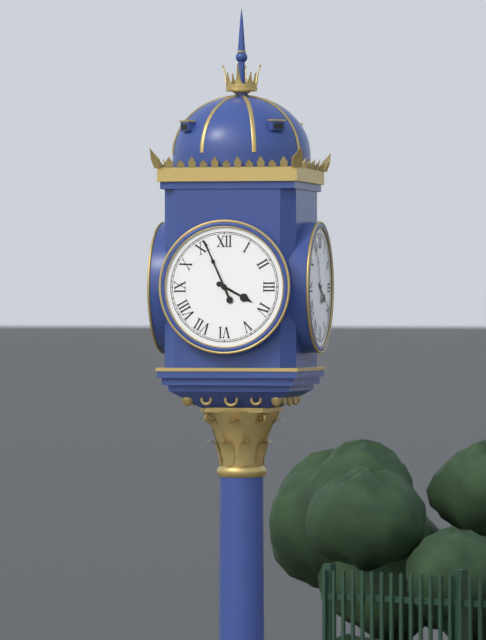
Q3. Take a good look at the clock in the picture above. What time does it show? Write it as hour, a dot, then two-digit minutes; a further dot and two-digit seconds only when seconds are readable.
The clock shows 3.56
